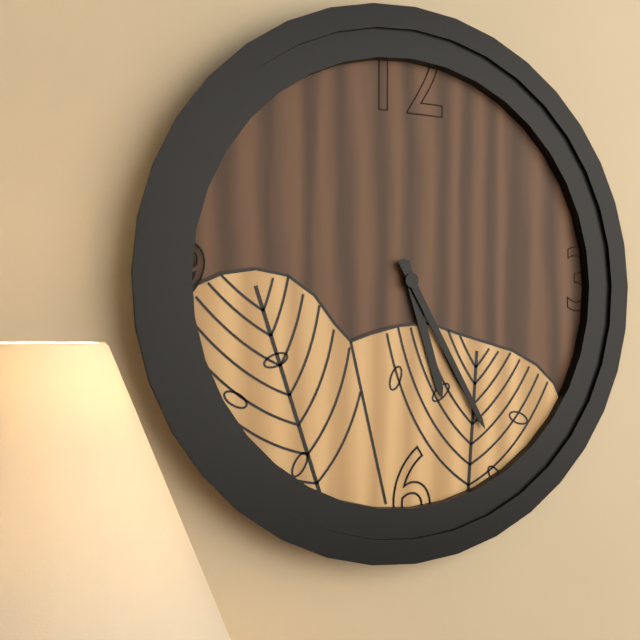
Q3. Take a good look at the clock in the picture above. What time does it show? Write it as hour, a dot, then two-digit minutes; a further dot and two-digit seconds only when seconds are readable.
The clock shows 5.25
